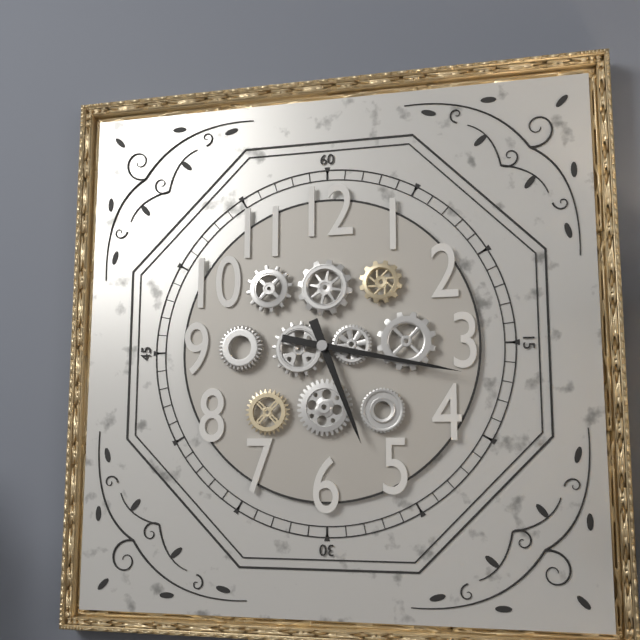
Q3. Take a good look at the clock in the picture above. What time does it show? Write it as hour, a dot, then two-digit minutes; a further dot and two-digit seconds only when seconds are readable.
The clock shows 5.17
